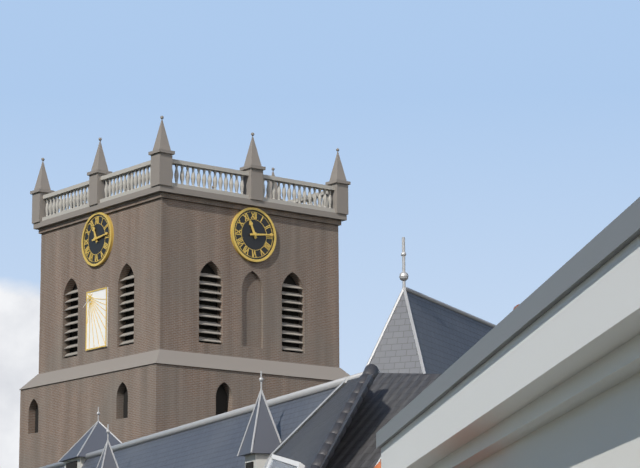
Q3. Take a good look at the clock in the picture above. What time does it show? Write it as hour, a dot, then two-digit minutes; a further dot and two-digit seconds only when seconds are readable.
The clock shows 11.14
